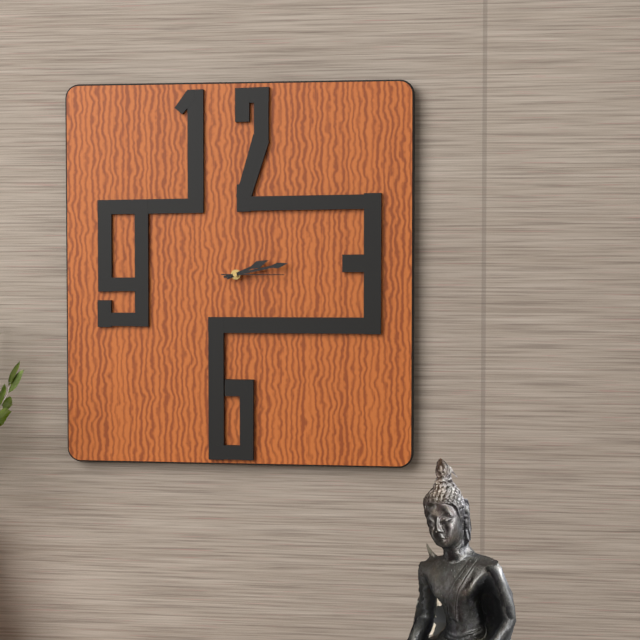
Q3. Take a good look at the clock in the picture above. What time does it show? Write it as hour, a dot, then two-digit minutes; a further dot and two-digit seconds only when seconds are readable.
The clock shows 2.13.15
